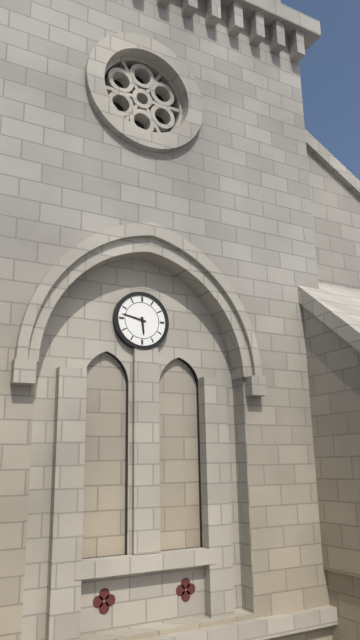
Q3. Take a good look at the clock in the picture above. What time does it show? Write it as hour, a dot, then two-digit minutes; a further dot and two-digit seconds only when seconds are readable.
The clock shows 5.47
